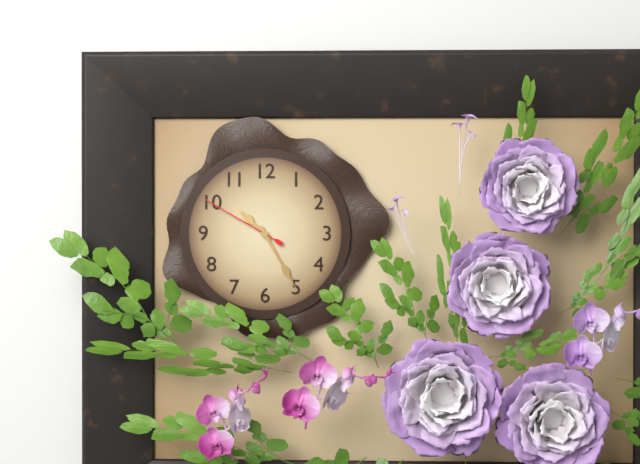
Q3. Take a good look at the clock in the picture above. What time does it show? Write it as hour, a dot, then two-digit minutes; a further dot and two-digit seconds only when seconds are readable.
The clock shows 10.25.50
